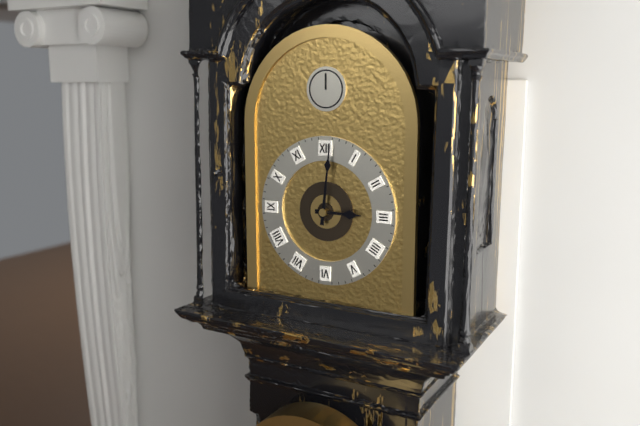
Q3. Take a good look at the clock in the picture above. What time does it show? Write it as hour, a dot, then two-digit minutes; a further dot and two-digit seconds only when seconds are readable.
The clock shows 3.01
